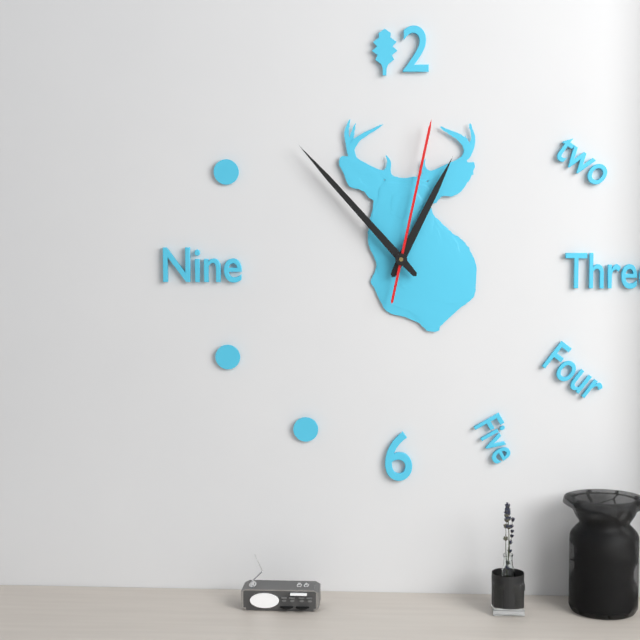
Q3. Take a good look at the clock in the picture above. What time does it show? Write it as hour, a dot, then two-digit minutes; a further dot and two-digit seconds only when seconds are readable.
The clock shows 12.53.02
